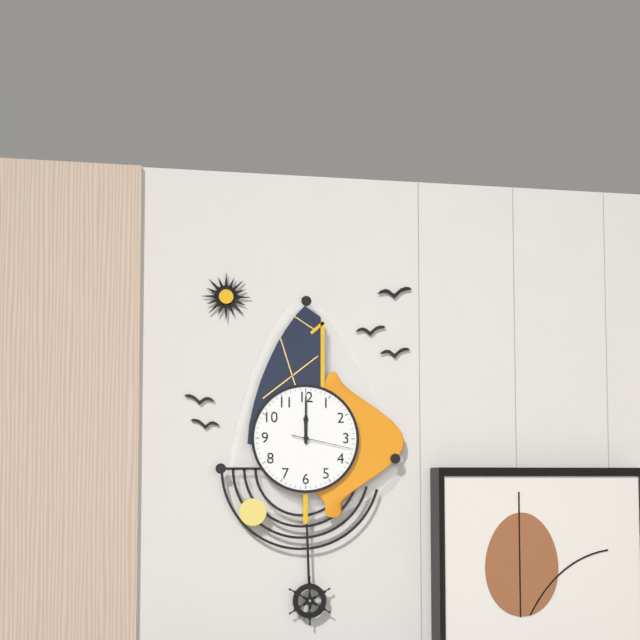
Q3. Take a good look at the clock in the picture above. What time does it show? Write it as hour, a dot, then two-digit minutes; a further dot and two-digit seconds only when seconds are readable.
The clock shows 12.00.17
